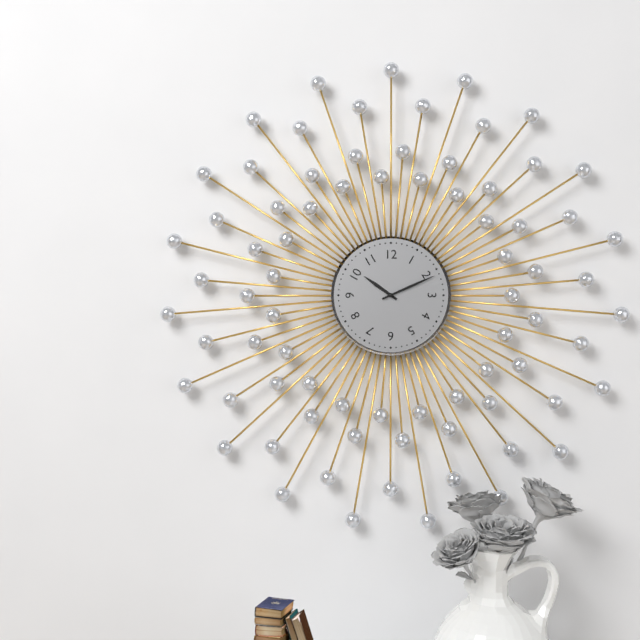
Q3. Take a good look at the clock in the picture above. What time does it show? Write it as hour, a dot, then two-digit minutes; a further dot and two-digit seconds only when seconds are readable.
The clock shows 10.11
